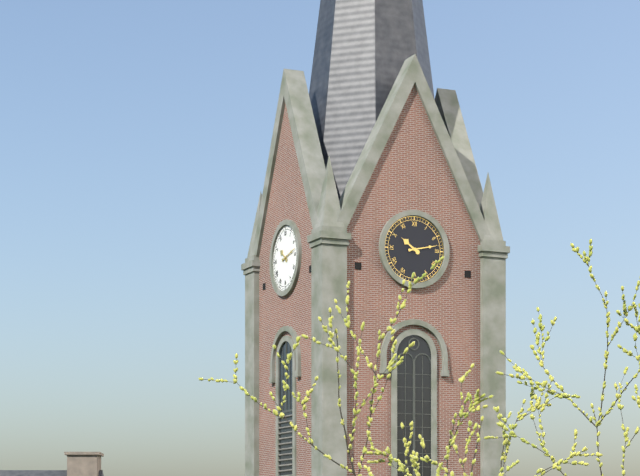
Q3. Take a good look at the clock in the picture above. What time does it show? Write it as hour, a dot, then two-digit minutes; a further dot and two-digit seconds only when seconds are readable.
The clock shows 10.13
